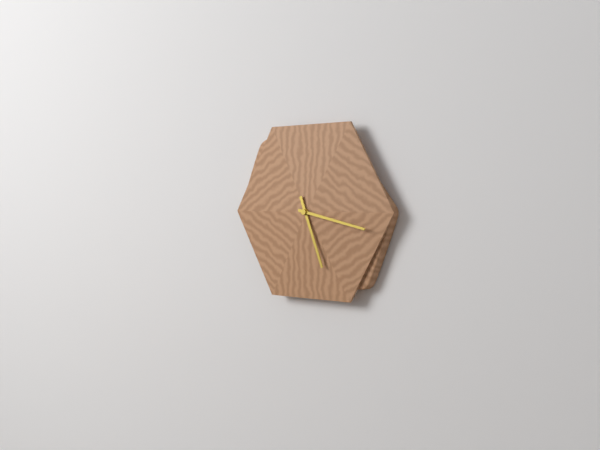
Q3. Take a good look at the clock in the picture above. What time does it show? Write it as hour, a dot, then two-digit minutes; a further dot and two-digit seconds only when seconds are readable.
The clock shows 5.17
